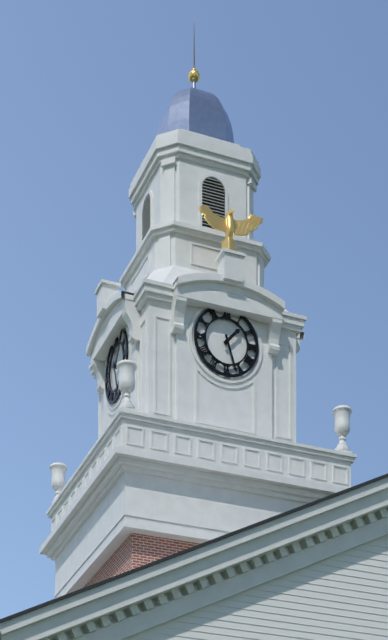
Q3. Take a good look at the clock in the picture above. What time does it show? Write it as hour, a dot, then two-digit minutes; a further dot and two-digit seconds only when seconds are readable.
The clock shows 1.27
